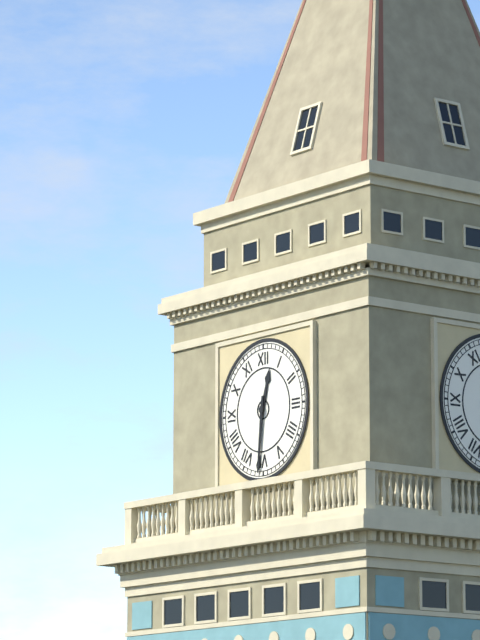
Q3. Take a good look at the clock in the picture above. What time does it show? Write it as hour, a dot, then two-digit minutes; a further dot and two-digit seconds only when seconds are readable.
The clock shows 12.31
